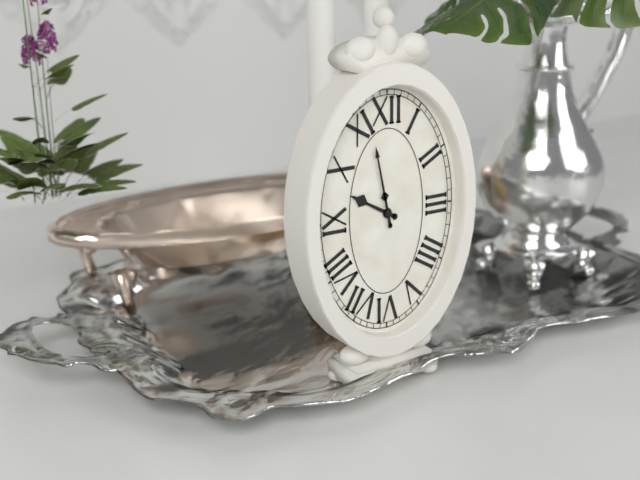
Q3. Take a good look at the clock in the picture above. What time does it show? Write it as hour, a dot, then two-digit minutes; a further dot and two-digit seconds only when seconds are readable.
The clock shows 9.58
